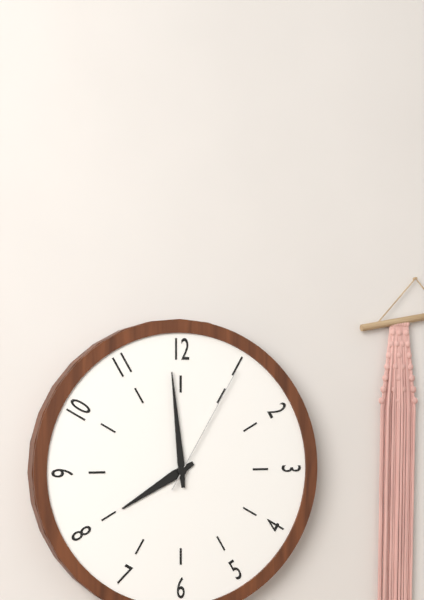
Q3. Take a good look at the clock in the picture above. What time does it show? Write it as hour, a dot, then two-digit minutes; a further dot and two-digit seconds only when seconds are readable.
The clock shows 7.59.05
